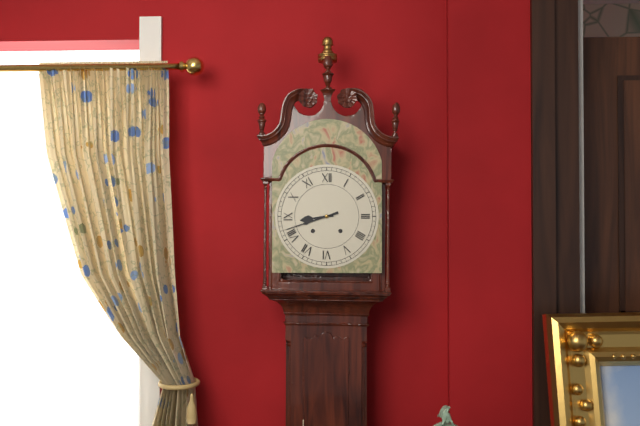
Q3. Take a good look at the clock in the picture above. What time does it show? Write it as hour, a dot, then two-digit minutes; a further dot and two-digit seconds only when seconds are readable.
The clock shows 8.42
